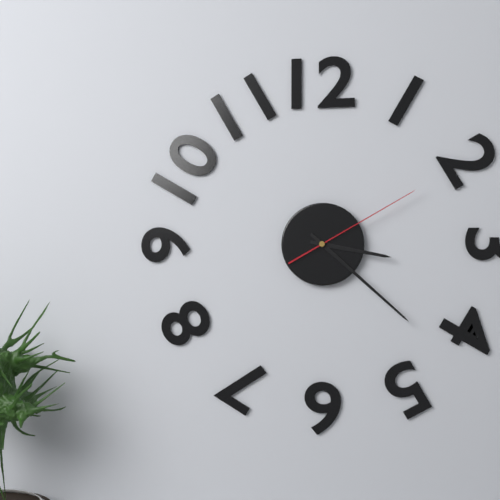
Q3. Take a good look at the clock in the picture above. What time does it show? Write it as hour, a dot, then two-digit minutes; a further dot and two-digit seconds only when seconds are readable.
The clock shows 3.22.10
